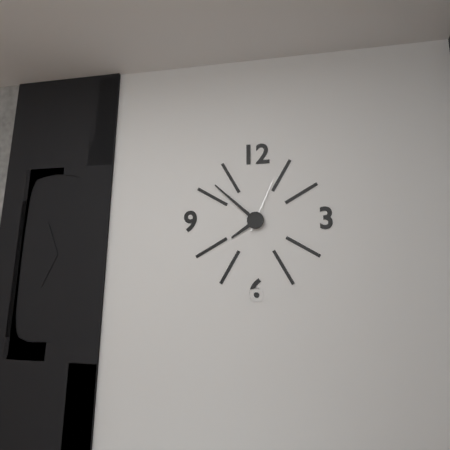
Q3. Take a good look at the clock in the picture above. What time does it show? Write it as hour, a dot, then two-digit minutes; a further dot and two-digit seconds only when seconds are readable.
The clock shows 7.52.04
